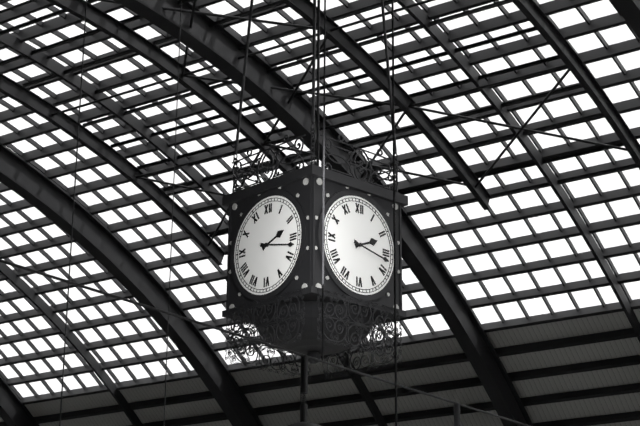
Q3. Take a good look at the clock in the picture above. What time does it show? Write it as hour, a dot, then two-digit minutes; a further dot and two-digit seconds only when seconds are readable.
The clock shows 2.17
